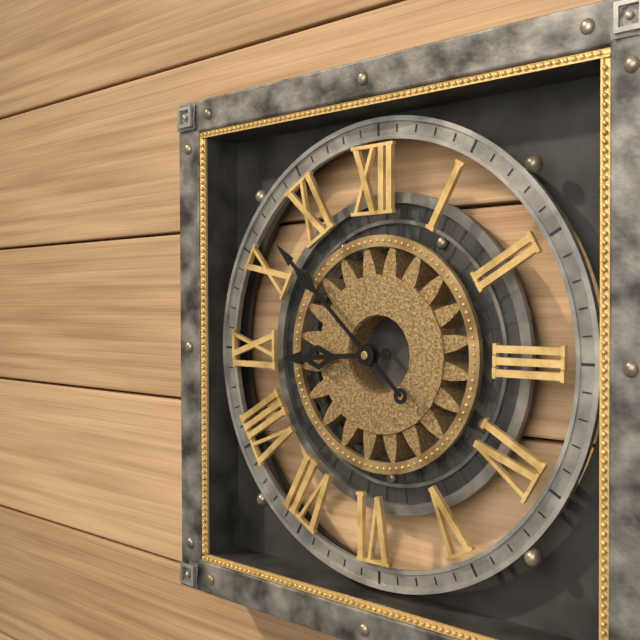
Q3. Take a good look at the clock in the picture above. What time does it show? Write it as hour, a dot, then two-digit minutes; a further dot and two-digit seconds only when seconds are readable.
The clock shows 8.52
